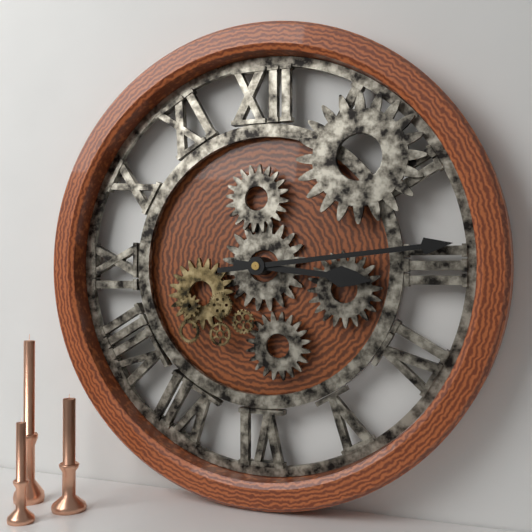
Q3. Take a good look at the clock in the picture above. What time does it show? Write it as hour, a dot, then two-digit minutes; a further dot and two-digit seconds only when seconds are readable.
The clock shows 3.14
